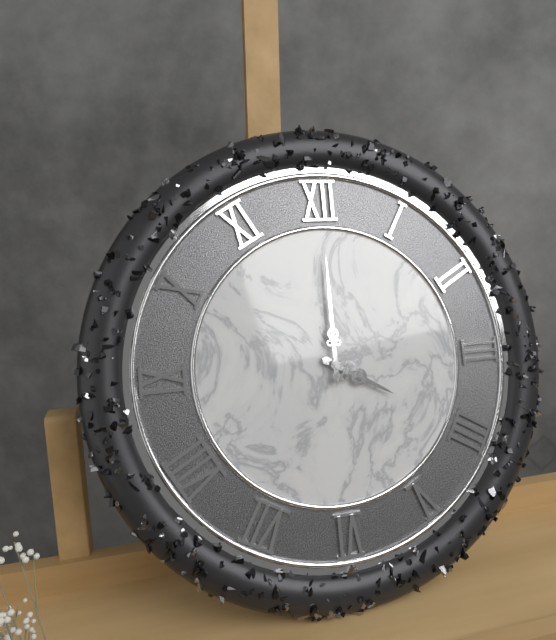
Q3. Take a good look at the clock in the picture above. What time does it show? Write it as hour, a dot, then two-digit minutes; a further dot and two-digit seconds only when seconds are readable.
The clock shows 4.00
